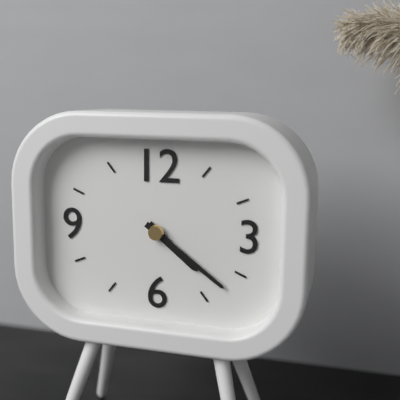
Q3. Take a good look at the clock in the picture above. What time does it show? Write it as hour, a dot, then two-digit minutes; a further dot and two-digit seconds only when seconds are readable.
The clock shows 4.21
